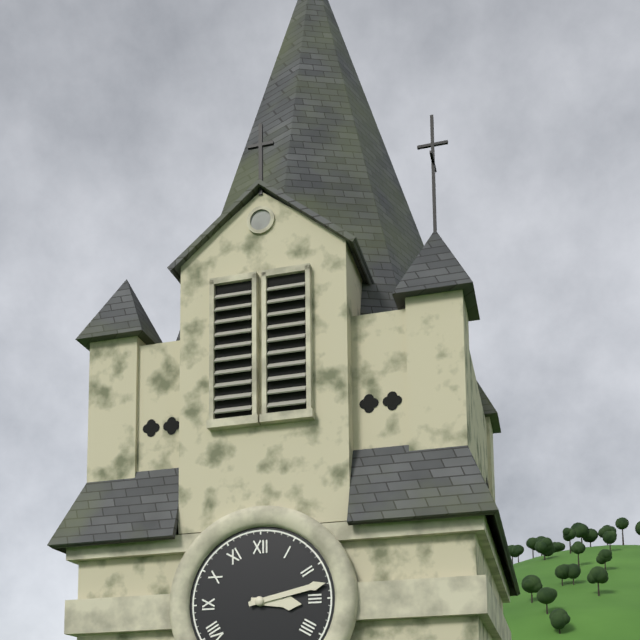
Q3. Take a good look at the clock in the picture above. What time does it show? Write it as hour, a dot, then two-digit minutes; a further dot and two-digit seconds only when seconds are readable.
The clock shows 3.13
